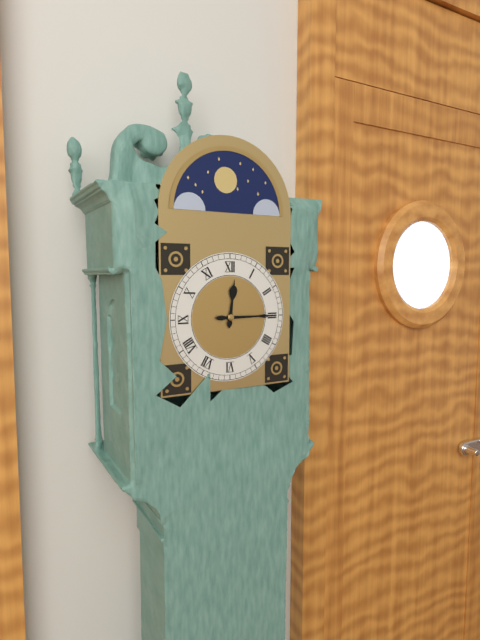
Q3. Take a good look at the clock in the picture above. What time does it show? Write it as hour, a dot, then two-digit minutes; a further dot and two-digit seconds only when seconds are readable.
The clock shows 12.15
